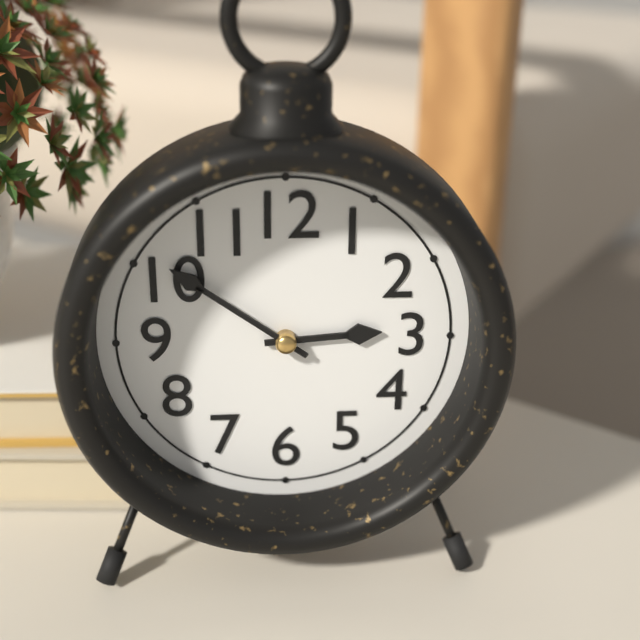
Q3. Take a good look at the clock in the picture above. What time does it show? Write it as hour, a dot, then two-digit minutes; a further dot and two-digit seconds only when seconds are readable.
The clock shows 2.51
